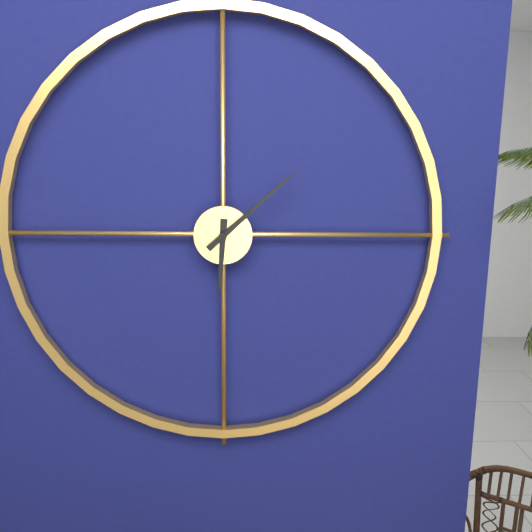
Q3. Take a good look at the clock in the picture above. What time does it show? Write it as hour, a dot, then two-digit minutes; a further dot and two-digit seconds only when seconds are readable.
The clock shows 6.08
